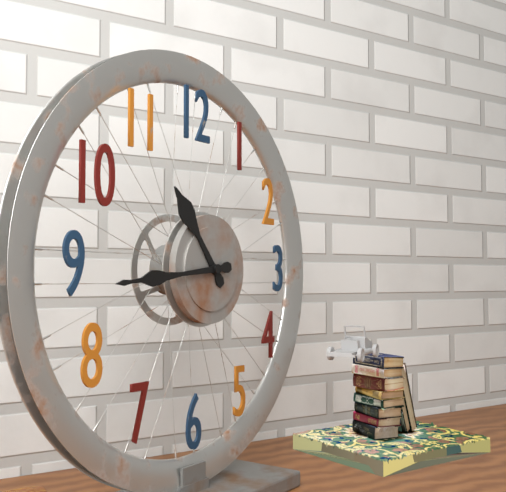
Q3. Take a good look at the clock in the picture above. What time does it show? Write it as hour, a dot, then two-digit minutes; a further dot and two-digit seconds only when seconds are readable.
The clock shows 10.44
